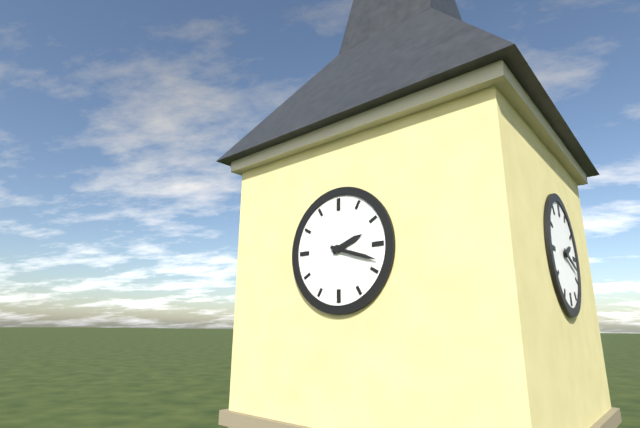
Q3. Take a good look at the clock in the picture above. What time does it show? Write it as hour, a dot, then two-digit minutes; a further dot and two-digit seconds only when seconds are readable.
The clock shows 2.18
